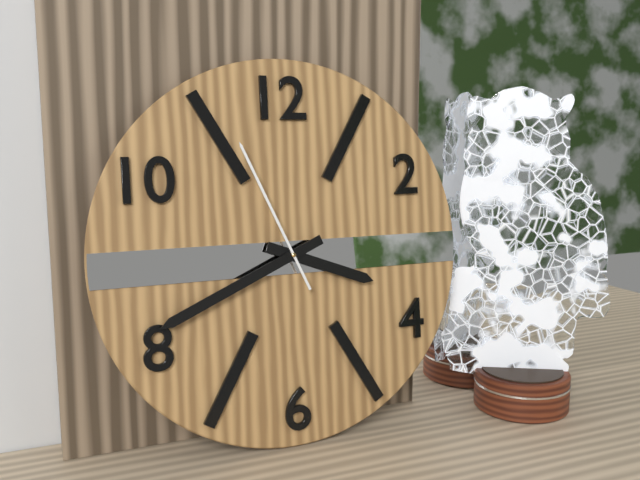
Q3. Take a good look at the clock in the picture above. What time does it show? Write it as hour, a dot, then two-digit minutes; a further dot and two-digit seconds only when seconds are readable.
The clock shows 3.41.56
